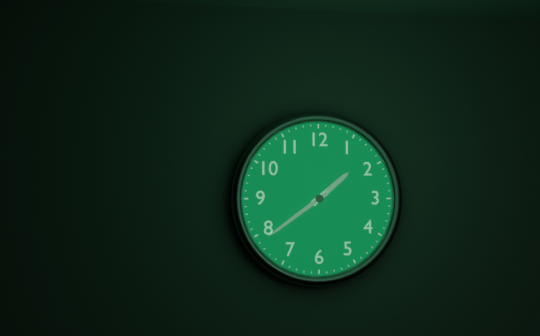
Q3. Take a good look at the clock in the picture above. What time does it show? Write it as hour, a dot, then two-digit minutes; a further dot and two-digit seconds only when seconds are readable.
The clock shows 1.39
